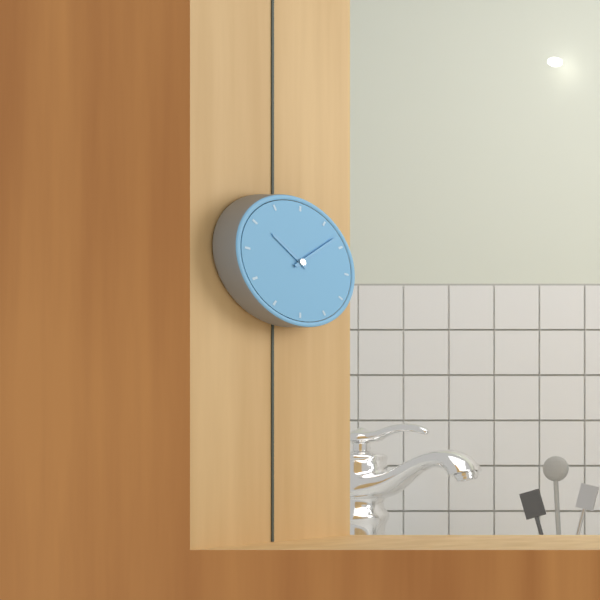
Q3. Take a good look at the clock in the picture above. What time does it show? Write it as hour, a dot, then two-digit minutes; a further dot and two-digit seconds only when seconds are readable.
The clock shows 10.08
